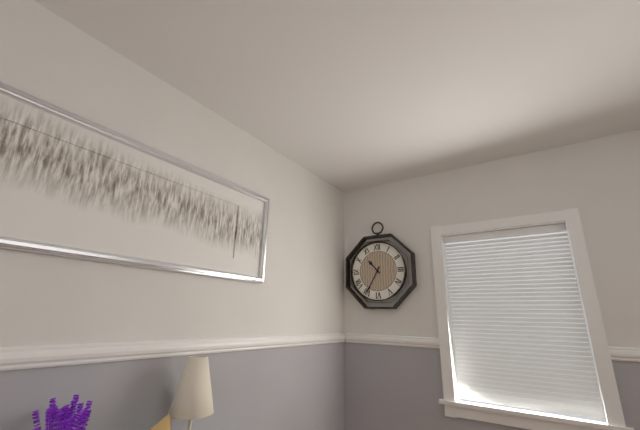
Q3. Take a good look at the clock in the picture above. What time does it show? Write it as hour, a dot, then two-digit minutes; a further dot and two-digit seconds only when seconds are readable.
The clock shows 10.35
